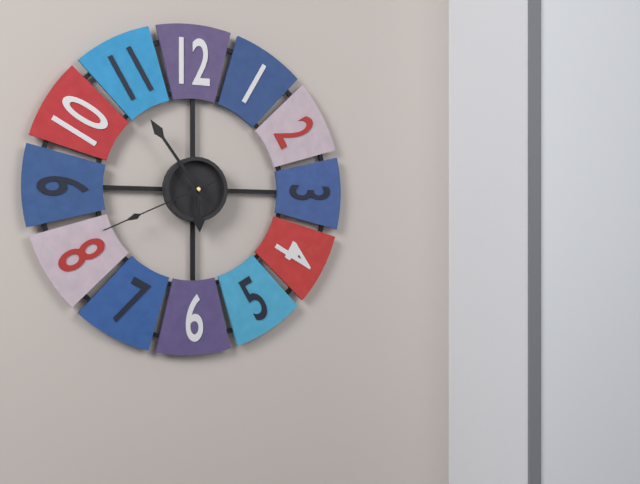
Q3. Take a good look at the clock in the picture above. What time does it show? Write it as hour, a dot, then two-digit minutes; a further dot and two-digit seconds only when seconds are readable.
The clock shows 5.54.41
